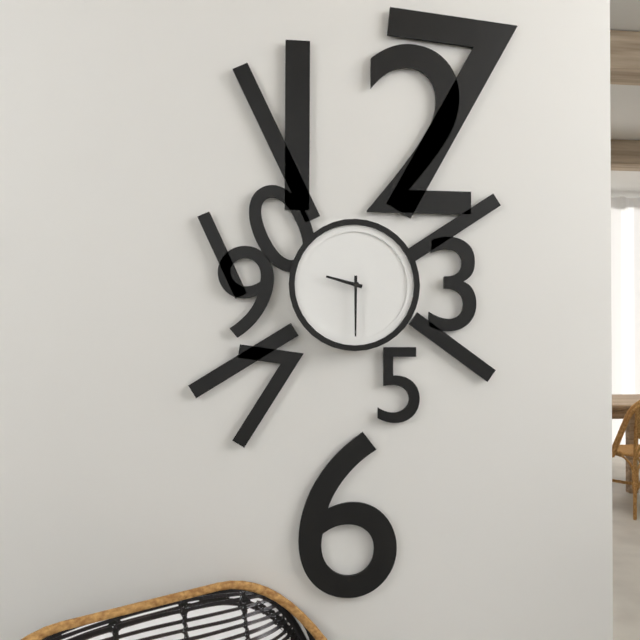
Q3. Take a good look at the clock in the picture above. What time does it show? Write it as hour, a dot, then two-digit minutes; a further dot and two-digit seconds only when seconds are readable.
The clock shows 9.30
